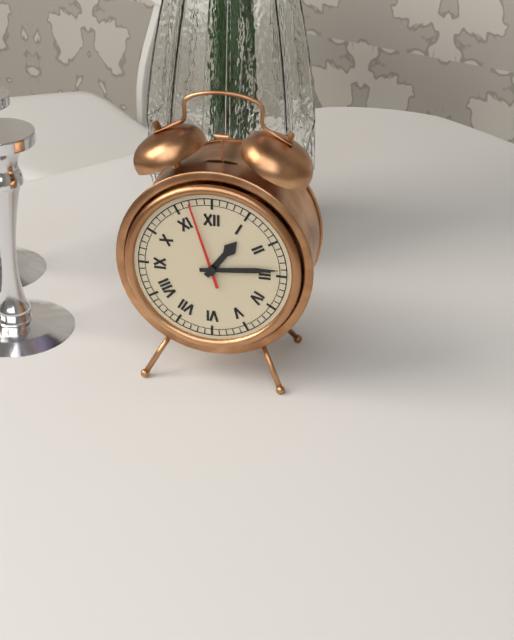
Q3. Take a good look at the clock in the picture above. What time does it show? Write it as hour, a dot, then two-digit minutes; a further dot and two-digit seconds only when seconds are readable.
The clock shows 1.14.57
